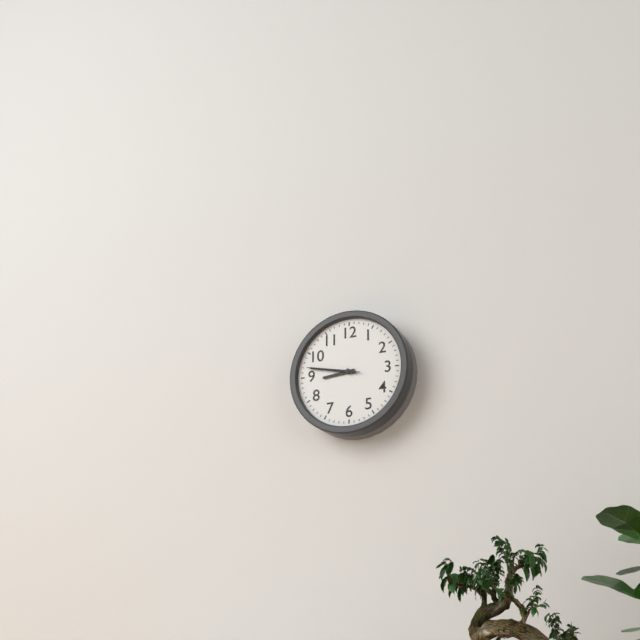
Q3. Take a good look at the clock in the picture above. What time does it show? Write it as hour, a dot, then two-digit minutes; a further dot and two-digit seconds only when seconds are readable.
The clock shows 8.47.47
